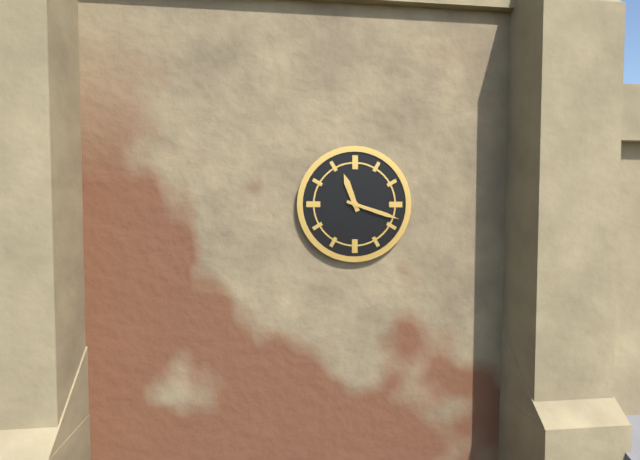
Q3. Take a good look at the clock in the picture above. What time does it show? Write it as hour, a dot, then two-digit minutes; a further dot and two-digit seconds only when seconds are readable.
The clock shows 11.18
